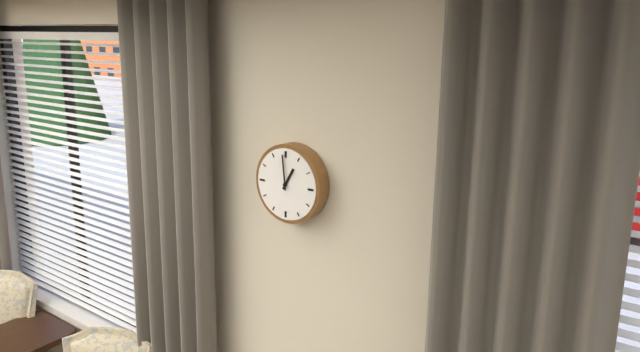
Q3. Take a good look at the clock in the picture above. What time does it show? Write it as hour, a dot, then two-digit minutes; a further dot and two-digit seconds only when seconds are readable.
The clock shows 12.59
